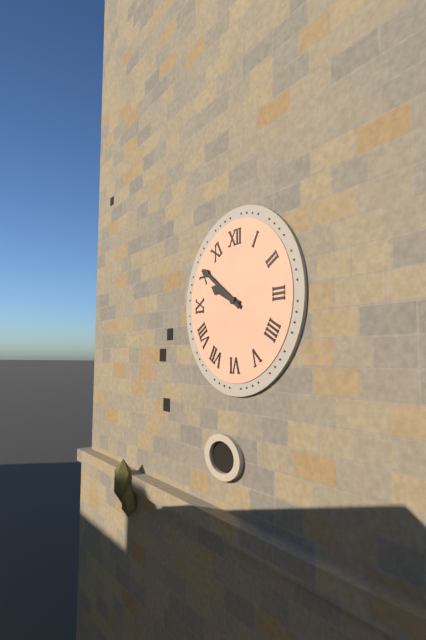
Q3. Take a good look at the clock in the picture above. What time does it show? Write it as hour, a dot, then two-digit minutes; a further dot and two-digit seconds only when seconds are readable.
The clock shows 9.51
